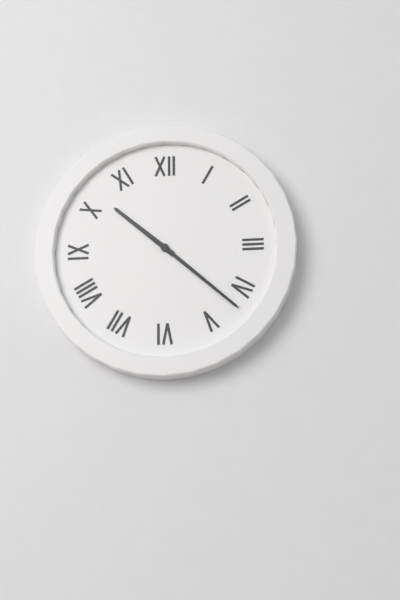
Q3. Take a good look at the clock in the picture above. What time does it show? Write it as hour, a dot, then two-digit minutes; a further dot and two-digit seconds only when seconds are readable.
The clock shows 10.22
